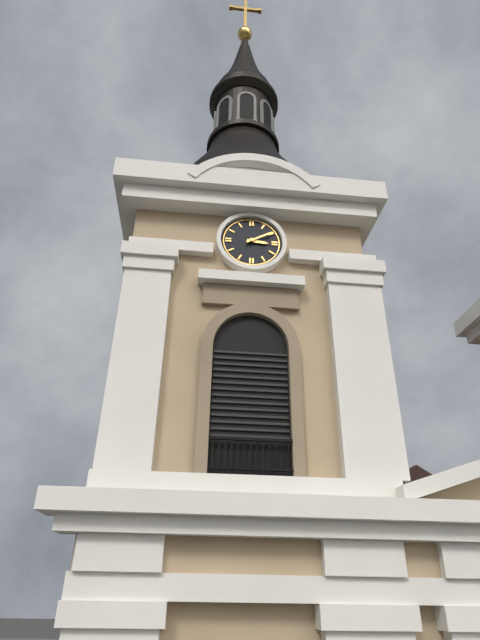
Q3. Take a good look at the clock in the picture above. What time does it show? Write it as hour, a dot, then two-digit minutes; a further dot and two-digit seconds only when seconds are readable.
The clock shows 3.10
